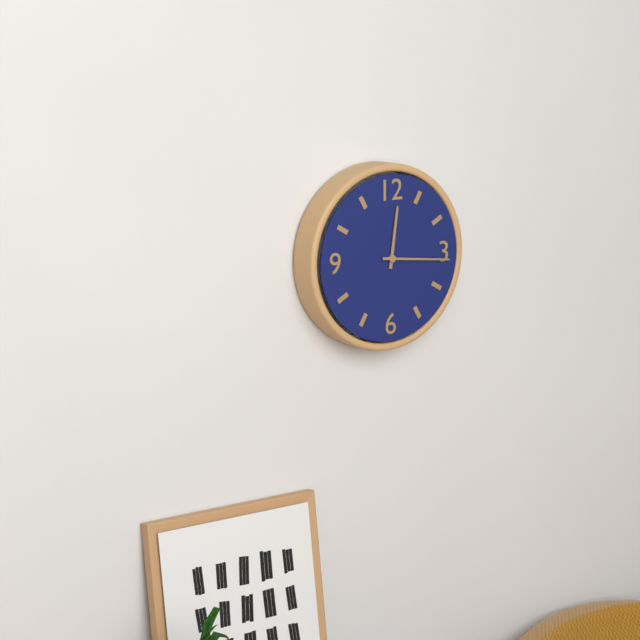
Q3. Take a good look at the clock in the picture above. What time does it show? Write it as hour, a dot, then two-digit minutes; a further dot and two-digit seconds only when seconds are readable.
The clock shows 12.16
